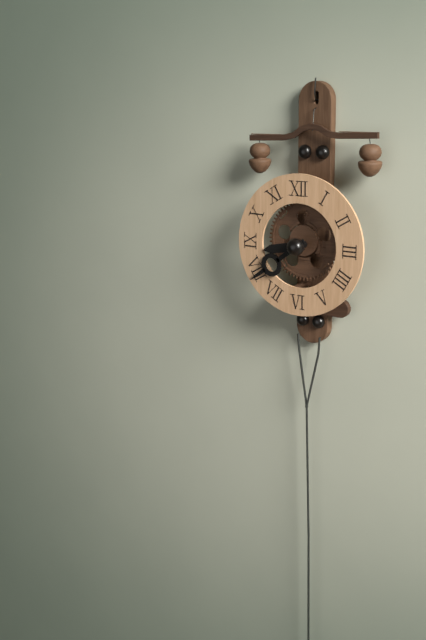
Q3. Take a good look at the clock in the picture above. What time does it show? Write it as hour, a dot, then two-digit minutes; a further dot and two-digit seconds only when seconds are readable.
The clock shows 8.39
